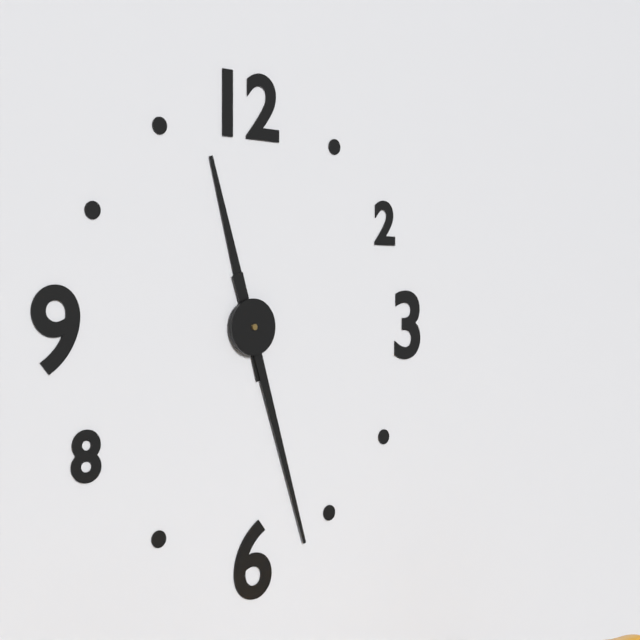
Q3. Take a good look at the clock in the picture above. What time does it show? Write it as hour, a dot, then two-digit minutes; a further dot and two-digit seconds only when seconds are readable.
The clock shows 11.27
